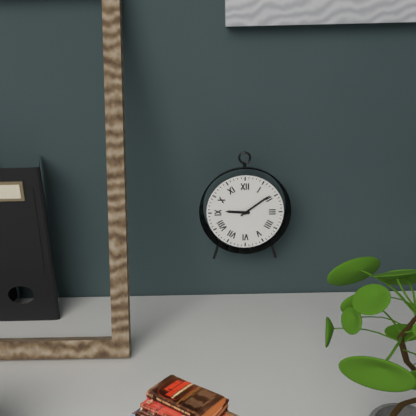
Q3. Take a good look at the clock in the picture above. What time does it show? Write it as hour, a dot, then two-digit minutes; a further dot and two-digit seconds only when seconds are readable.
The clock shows 9.09
